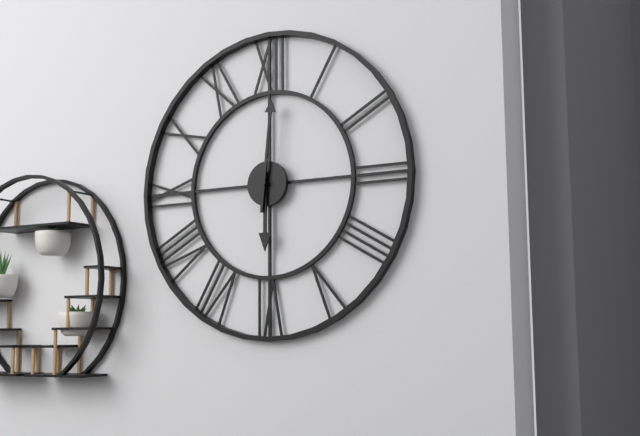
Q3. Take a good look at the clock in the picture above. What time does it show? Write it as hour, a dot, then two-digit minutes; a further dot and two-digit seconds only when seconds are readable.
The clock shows 6.01
